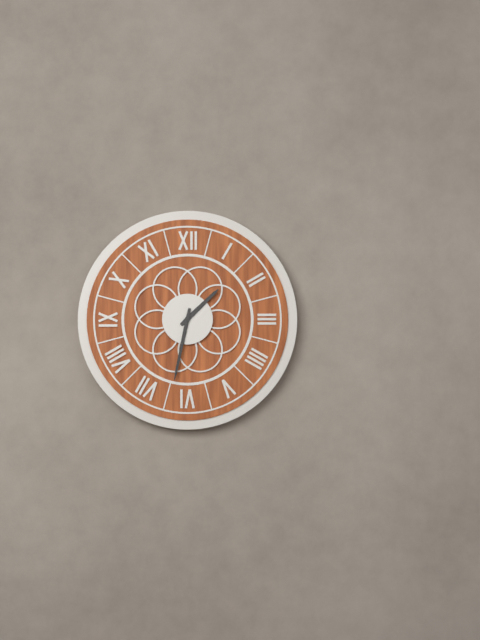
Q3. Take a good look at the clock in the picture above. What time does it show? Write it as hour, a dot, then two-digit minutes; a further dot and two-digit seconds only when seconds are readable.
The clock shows 1.32
